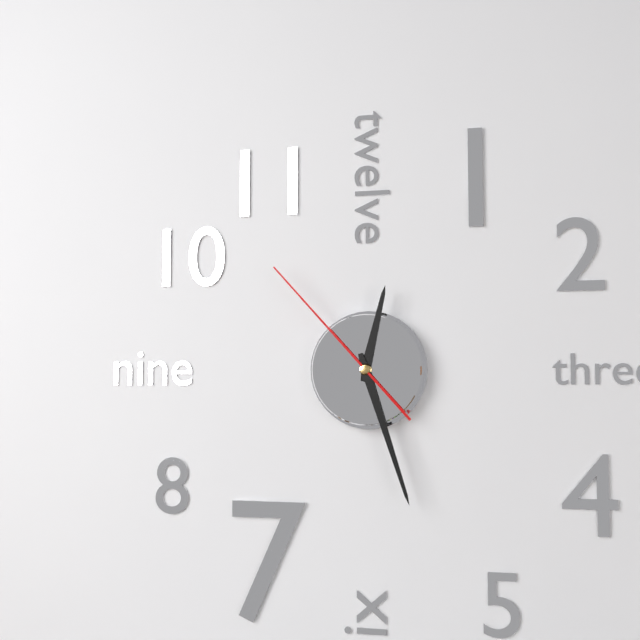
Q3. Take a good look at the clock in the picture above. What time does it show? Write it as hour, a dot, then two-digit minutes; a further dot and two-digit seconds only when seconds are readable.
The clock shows 12.27.53
